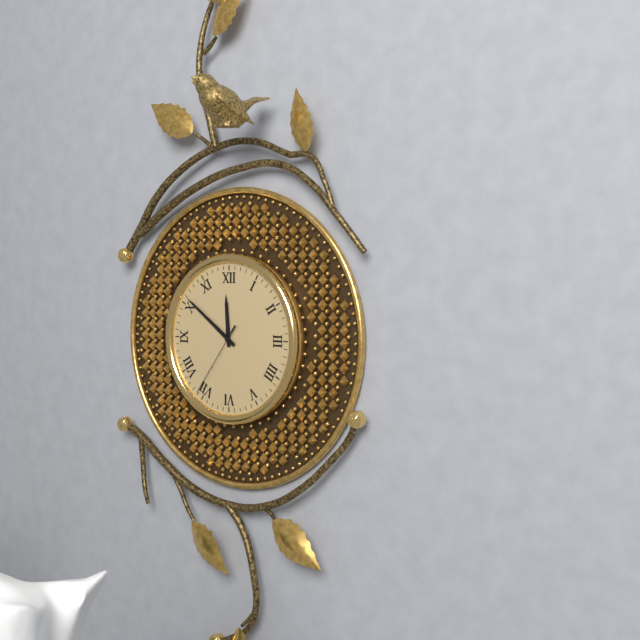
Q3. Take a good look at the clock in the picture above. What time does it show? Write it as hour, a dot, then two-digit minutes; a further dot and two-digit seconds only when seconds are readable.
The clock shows 11.51.36
